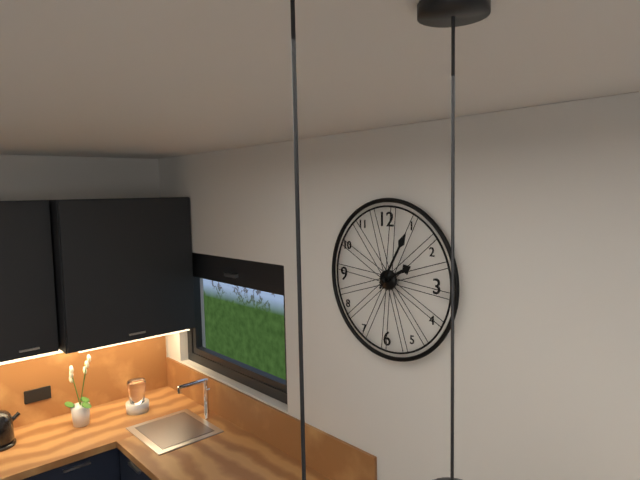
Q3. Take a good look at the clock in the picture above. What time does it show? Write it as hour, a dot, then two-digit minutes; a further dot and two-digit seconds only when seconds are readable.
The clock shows 2.05
